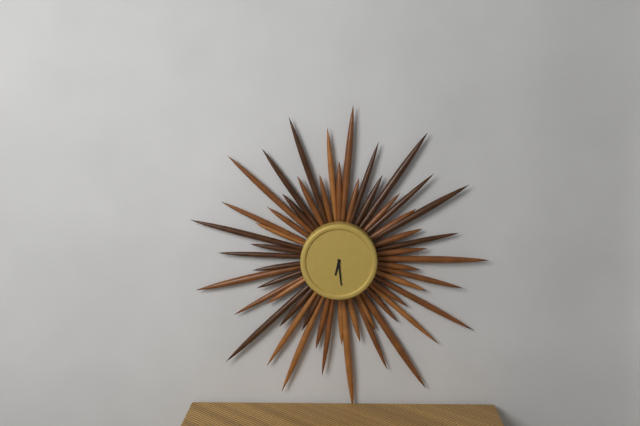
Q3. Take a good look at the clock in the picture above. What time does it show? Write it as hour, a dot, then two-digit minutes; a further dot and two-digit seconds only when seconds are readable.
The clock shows 6.29
